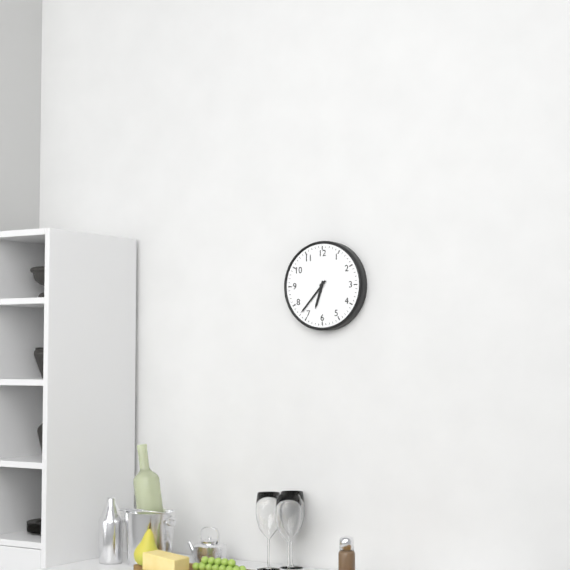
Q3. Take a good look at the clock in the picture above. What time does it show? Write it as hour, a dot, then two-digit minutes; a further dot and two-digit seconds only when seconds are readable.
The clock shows 6.37
